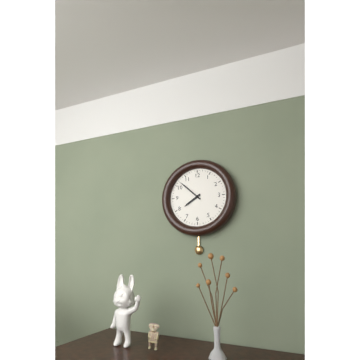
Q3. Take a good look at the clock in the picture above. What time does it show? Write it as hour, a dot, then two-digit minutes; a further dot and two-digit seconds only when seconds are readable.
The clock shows 7.52
